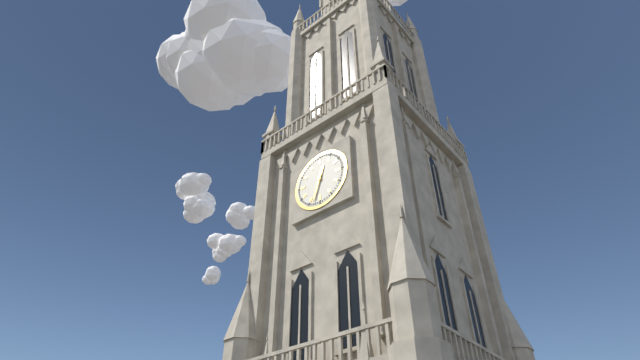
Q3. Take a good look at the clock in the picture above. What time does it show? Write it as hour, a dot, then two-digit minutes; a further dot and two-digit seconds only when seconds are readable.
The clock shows 12.33
